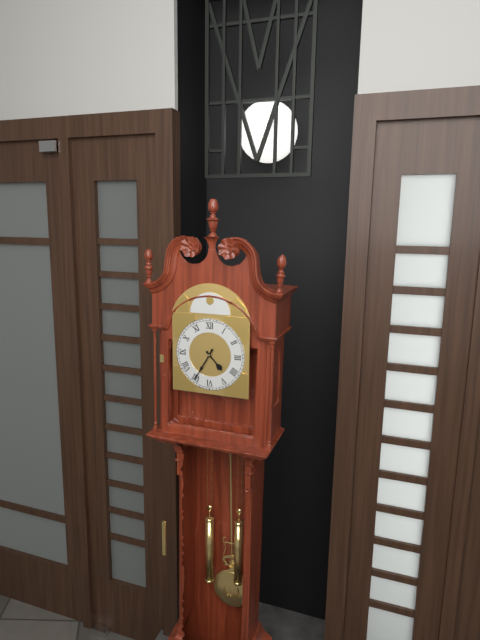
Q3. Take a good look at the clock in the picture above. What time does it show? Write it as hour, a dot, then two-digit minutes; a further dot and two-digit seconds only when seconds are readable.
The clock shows 4.35
